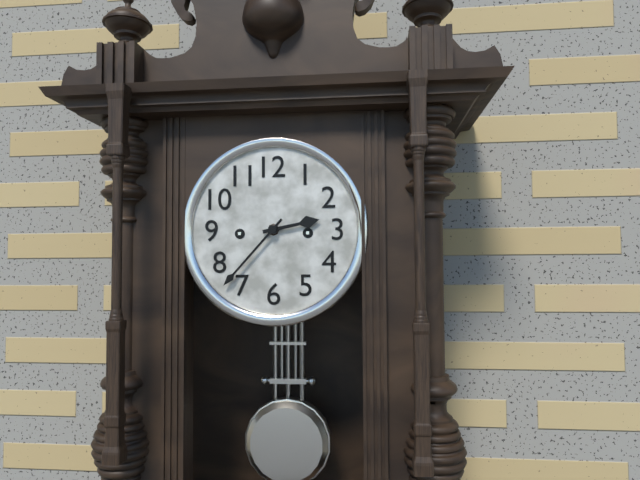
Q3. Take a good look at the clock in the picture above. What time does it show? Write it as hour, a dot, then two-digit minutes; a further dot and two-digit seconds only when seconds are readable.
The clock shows 2.37
